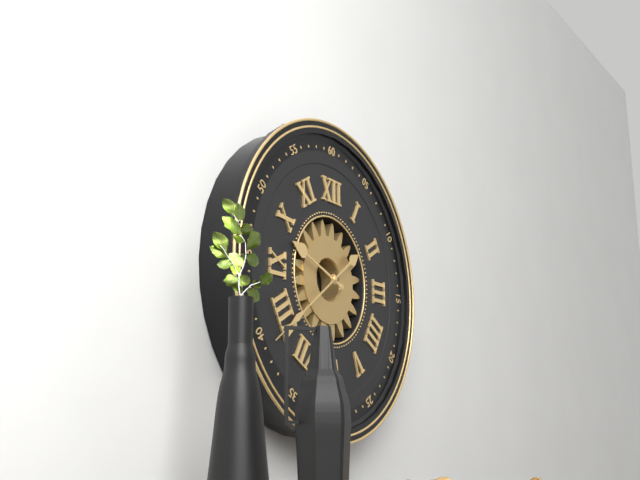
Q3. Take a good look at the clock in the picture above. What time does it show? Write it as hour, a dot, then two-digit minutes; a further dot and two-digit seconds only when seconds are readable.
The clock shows 9.39
